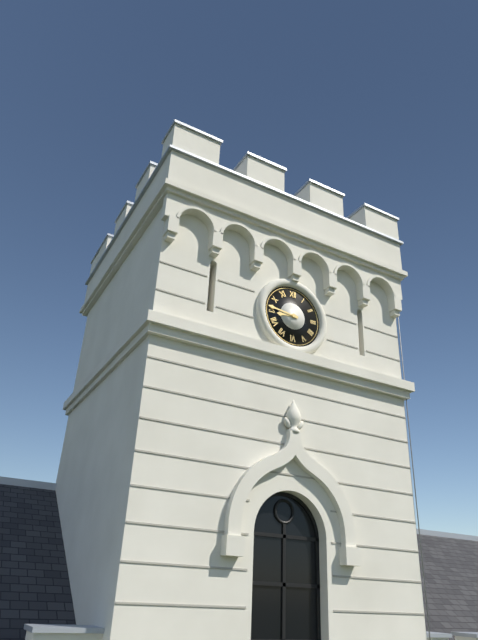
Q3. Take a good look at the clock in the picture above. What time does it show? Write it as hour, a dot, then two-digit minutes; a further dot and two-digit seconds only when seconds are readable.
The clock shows 8.46
